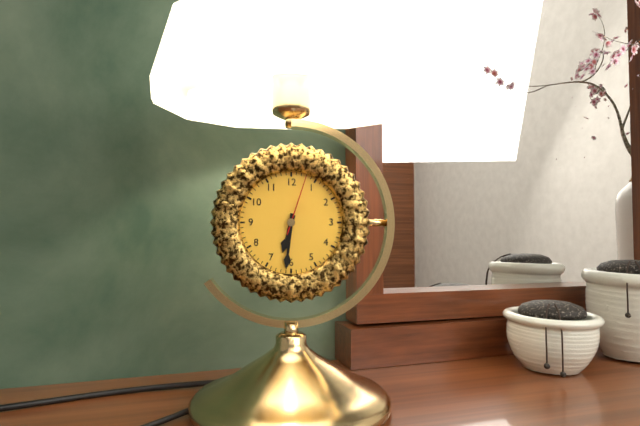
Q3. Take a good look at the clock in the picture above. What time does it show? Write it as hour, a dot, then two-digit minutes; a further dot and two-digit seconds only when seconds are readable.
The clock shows 6.31.03
